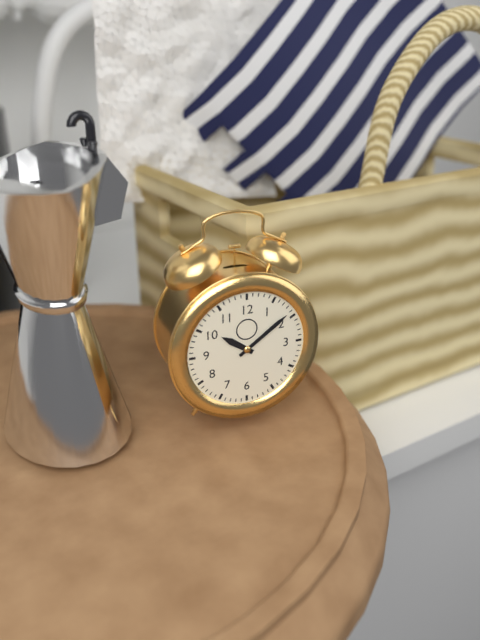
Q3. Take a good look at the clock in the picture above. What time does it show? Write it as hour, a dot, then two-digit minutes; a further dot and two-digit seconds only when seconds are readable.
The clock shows 10.09
